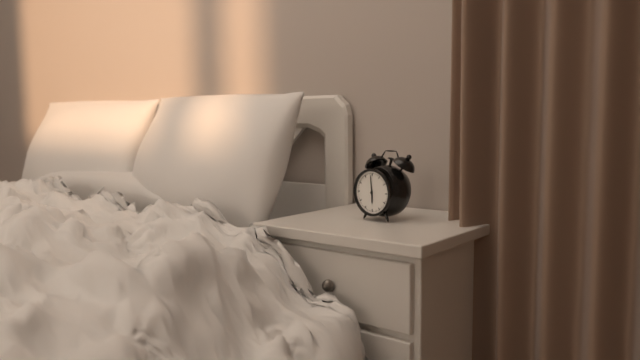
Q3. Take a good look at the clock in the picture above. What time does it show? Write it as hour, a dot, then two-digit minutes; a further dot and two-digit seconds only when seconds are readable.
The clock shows 5.59
